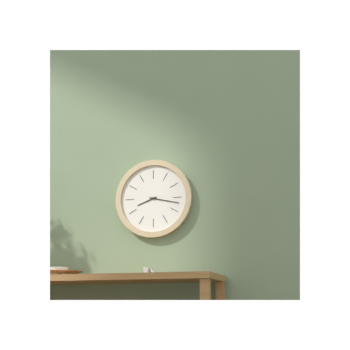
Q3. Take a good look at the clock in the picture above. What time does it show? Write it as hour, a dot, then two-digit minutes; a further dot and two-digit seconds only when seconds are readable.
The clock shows 8.17
